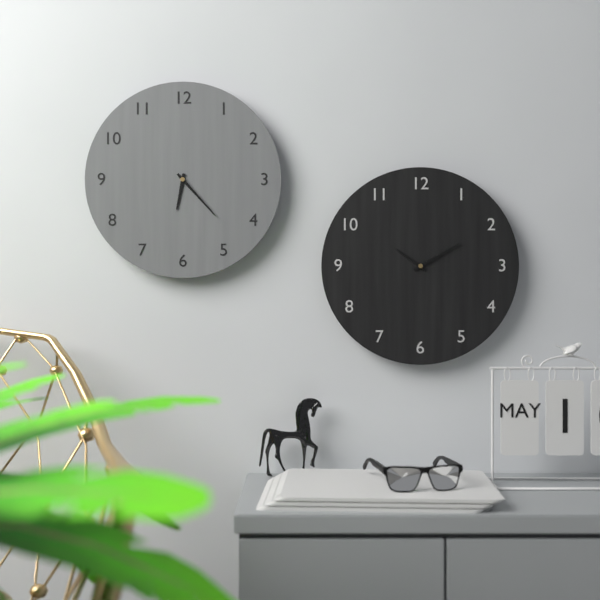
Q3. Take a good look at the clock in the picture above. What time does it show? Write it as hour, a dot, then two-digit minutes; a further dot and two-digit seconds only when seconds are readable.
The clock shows 6.23
